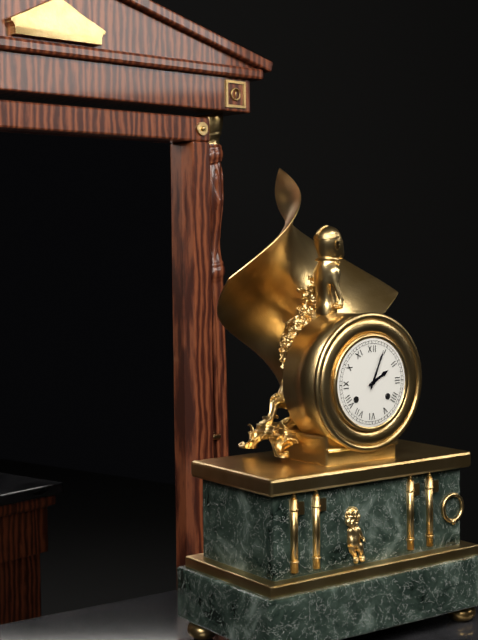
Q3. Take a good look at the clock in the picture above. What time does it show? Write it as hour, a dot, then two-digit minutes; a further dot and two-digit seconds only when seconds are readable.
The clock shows 2.04
